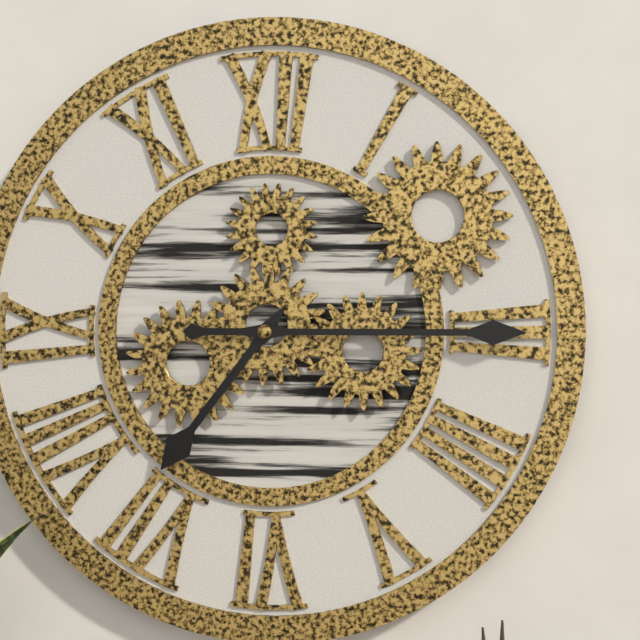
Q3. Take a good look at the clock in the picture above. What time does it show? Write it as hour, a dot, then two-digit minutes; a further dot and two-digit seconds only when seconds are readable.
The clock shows 7.15
